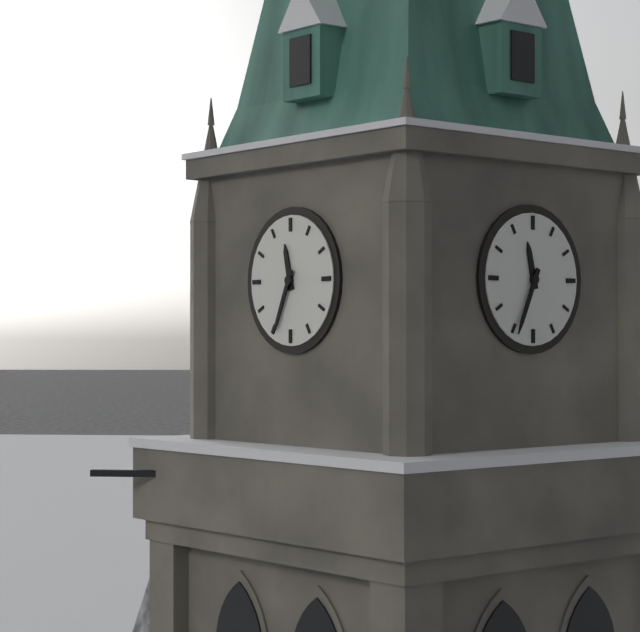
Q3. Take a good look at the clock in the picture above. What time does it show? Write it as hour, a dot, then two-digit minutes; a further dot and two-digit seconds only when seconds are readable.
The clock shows 11.34
